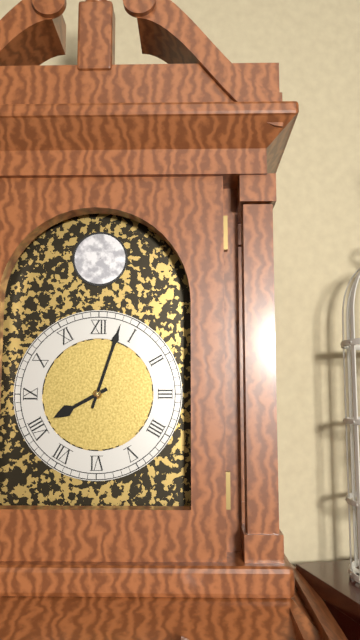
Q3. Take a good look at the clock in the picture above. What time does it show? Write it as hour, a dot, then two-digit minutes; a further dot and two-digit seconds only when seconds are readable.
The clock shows 8.03
